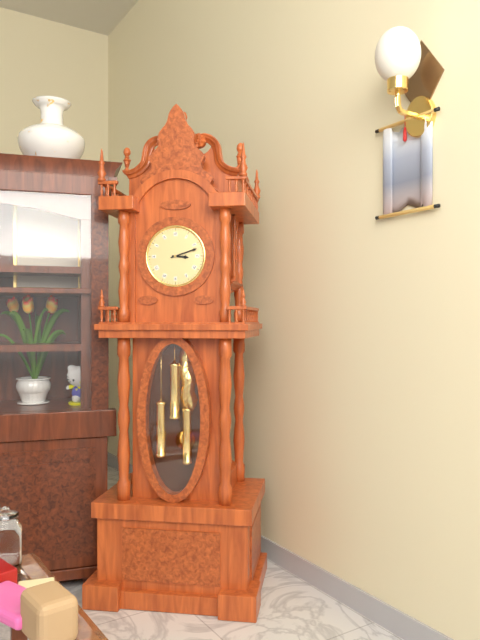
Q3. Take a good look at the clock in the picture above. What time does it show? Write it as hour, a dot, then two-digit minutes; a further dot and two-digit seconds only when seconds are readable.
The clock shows 3.12
